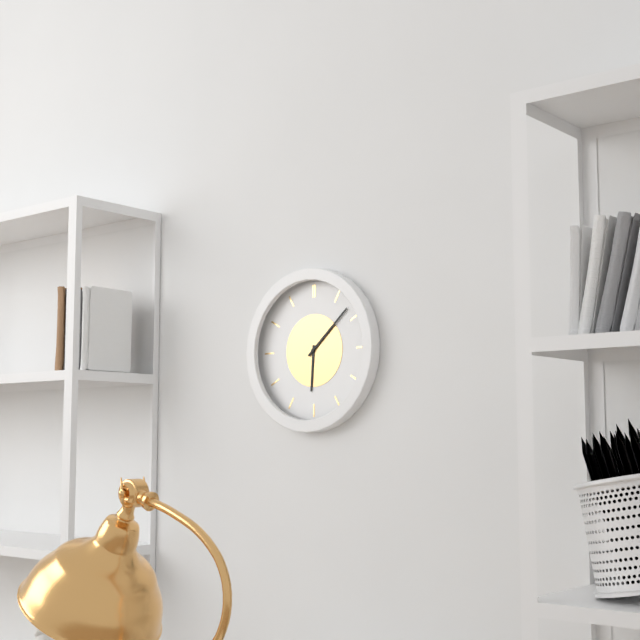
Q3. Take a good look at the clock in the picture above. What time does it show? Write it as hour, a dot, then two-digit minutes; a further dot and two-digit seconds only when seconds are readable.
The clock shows 6.08
